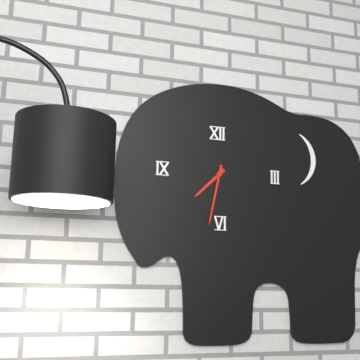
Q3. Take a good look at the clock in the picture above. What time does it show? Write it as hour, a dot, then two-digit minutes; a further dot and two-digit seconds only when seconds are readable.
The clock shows 7.32
